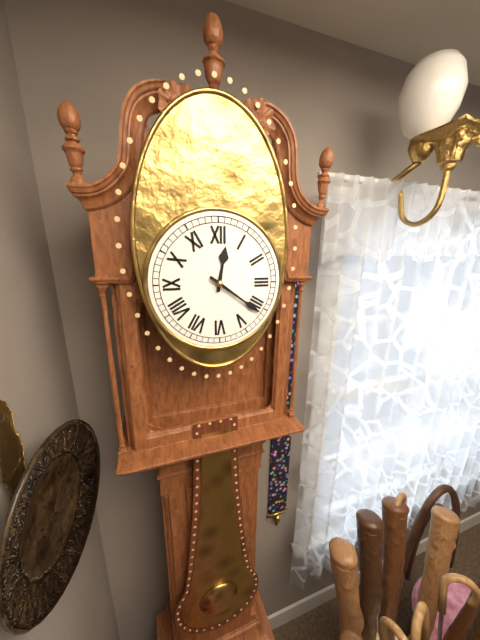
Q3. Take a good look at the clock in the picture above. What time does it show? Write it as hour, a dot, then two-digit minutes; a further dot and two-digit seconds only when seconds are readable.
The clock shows 12.21
